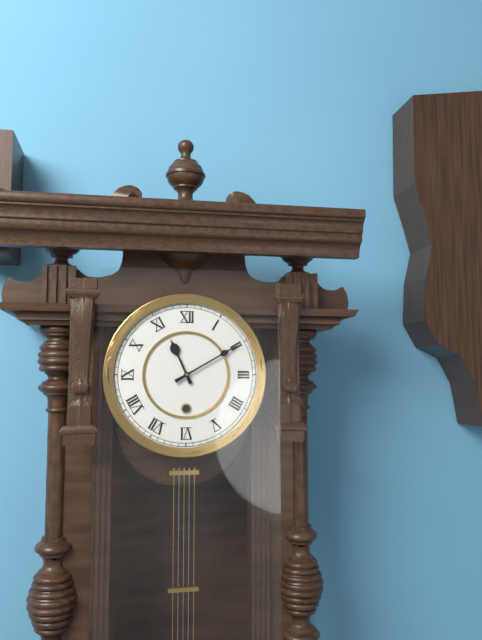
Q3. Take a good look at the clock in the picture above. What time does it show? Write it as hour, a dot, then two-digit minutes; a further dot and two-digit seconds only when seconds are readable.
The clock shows 11.10
